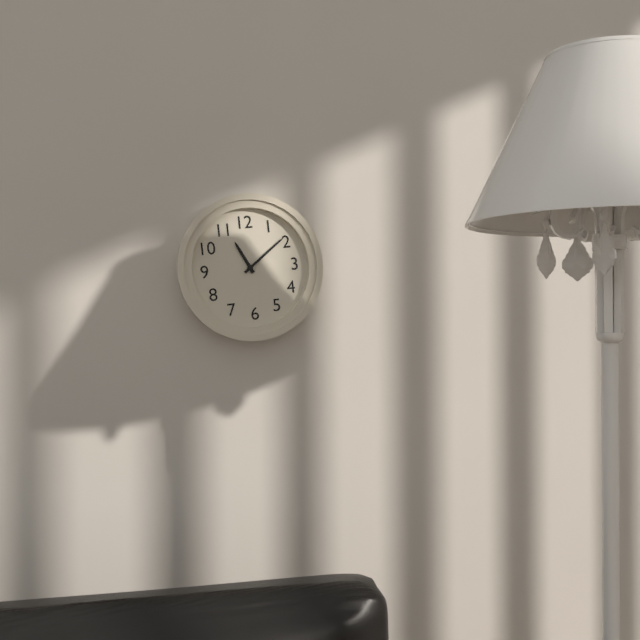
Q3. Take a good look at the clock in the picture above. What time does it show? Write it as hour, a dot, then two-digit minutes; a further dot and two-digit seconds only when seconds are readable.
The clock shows 11.09
